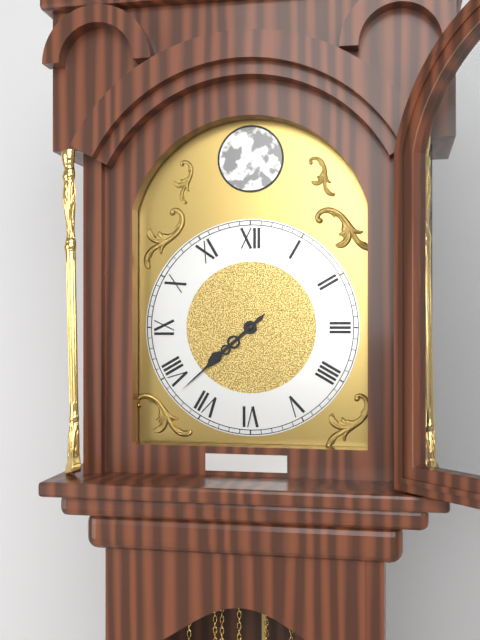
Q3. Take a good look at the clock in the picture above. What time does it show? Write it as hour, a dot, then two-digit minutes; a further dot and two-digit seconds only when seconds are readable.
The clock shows 7.38
